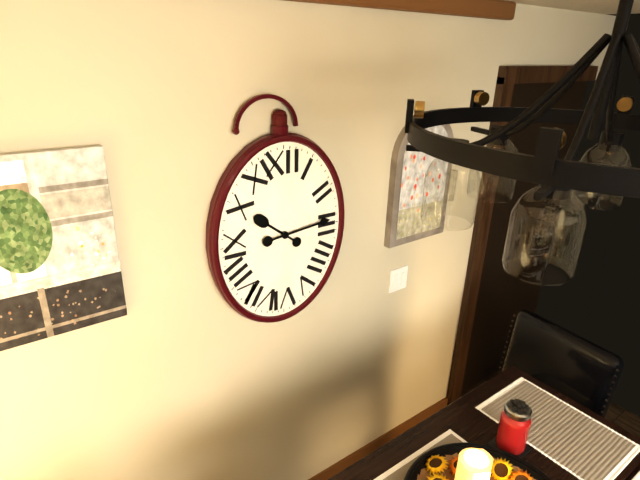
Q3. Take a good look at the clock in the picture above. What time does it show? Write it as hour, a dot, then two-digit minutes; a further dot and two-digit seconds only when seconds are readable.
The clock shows 10.14
